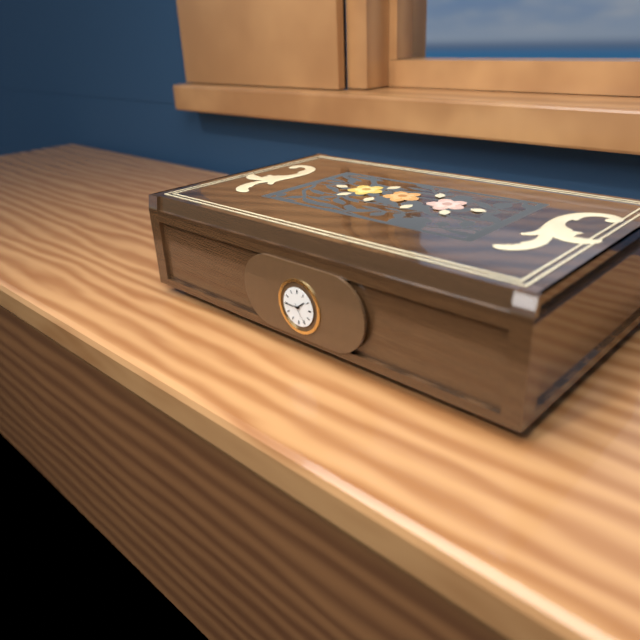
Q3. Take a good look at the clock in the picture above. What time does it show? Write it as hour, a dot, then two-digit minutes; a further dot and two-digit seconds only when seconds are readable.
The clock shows 1.45.25
